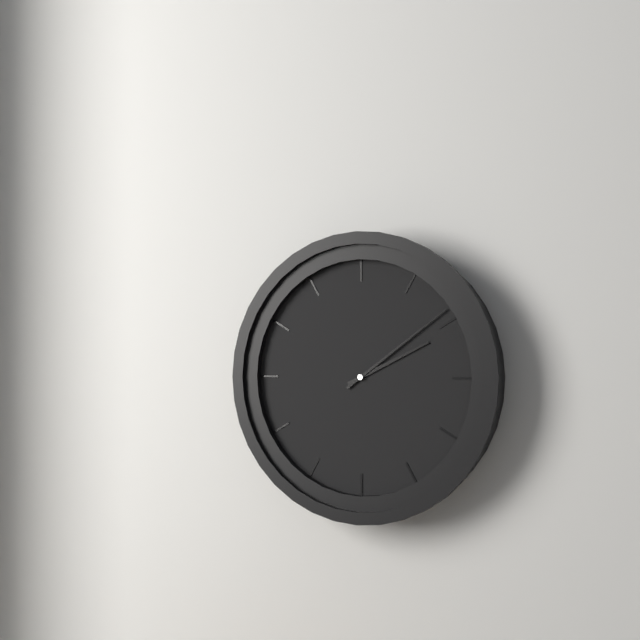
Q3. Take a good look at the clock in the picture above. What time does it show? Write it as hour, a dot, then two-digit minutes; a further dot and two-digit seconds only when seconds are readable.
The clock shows 2.09
